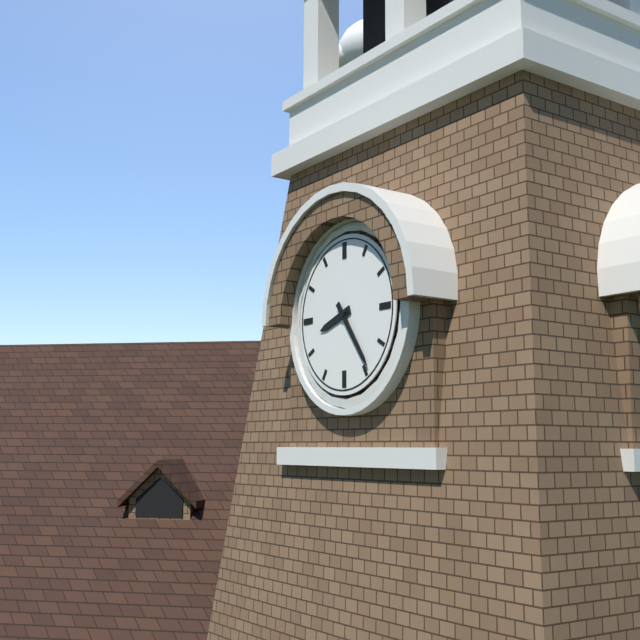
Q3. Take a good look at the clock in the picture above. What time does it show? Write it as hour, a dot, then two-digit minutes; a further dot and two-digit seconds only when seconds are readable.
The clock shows 8.24
